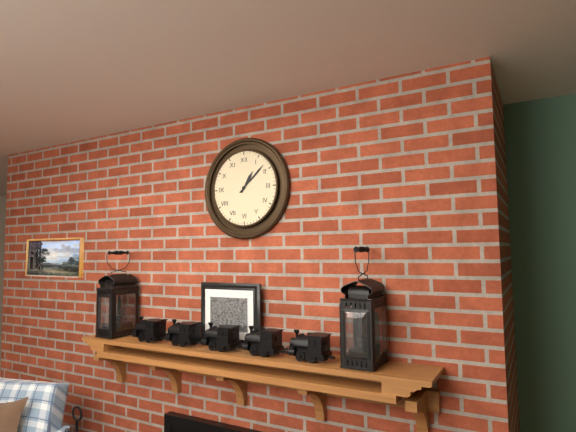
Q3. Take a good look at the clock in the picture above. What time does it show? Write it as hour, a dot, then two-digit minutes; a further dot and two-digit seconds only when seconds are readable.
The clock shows 1.08
